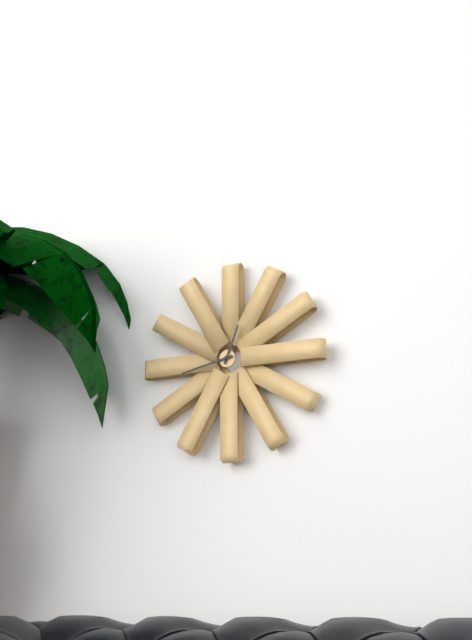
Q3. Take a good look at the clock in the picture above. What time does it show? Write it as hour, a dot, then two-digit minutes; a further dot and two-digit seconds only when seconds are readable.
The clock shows 12.43
